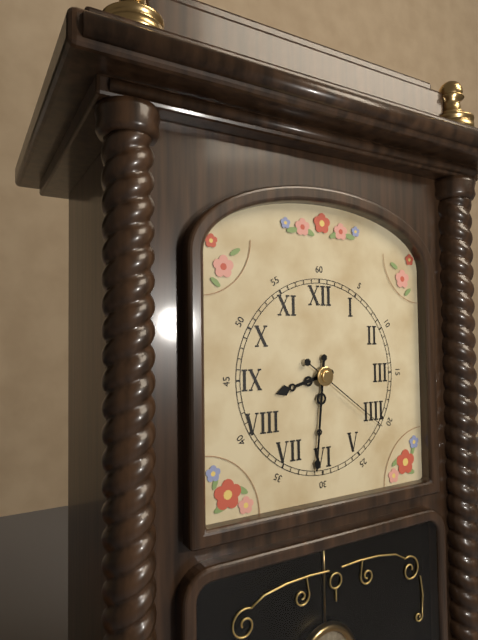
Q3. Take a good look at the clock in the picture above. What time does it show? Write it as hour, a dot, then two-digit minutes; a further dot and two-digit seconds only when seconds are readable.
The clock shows 8.31.21
